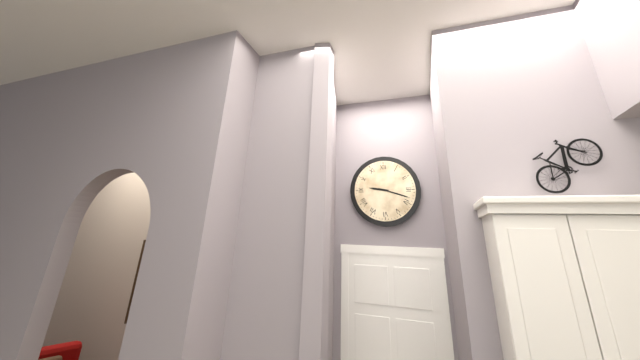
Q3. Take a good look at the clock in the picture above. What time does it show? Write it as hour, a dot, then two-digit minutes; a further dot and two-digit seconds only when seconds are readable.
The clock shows 9.18
